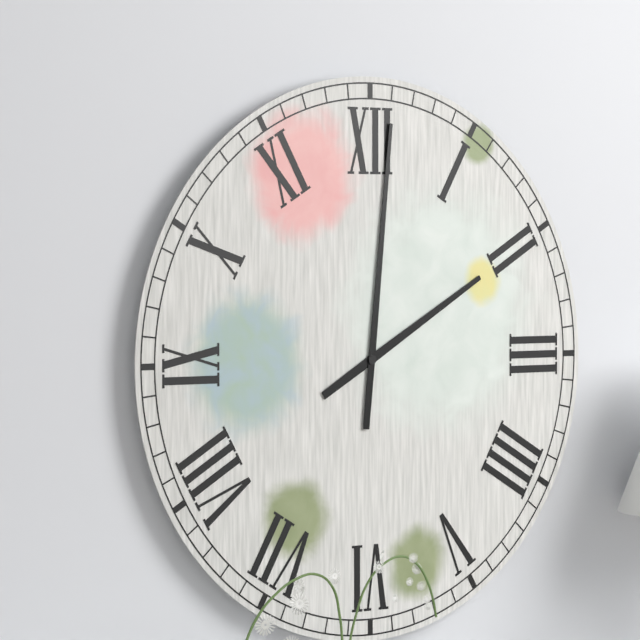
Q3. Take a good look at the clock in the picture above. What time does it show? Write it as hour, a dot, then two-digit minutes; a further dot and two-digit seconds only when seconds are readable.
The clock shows 2.01
